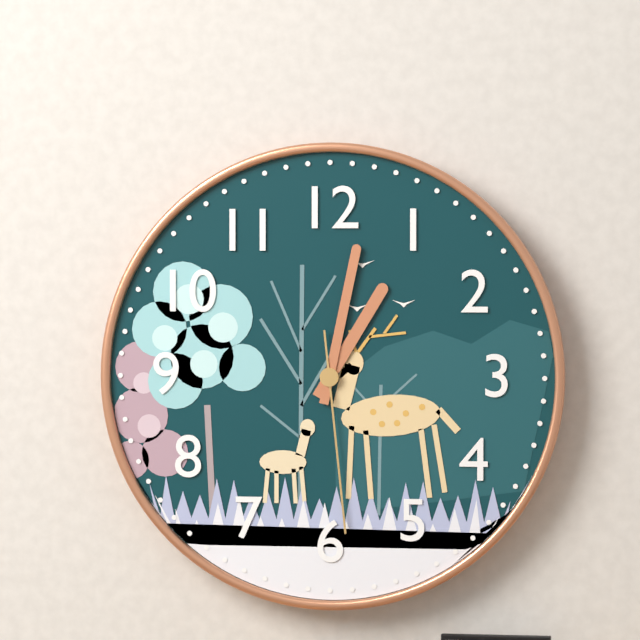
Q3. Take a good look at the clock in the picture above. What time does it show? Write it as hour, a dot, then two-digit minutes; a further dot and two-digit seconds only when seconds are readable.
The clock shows 1.02.29
